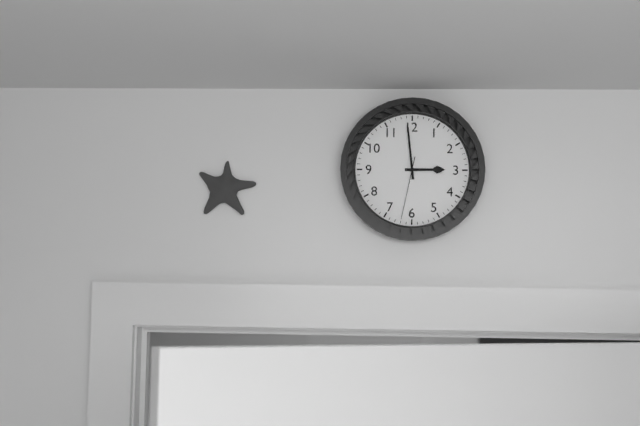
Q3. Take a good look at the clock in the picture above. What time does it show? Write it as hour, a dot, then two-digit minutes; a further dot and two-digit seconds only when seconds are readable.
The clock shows 2.59.32
